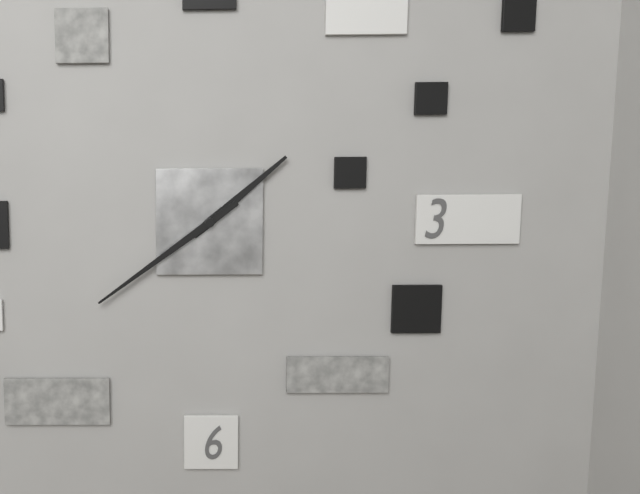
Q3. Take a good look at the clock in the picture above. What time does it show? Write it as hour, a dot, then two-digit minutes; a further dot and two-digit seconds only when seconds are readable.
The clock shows 1.39
